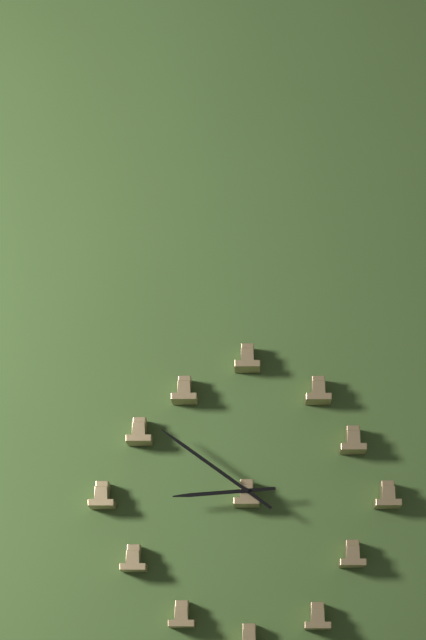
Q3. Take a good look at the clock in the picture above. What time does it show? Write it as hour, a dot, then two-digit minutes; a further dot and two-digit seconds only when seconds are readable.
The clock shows 8.51
